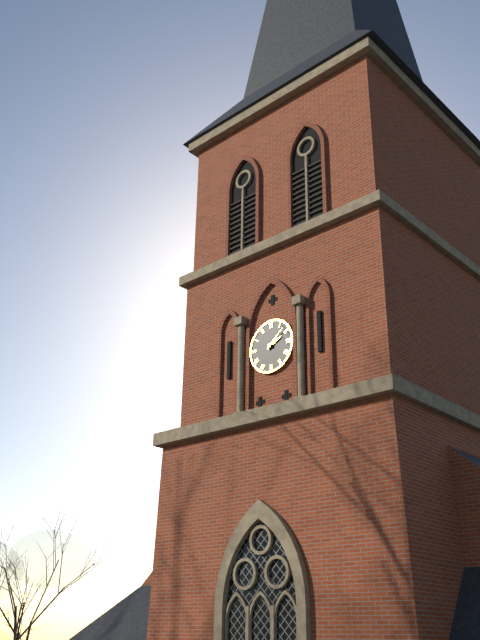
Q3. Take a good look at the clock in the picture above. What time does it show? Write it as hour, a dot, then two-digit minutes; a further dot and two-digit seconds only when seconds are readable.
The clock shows 2.08
